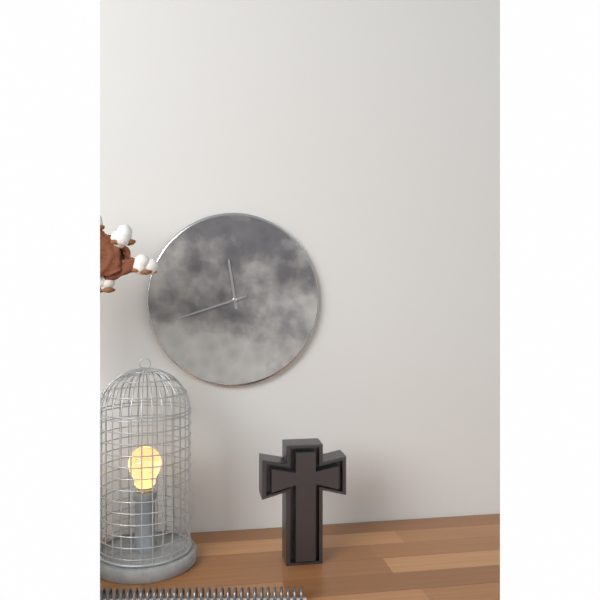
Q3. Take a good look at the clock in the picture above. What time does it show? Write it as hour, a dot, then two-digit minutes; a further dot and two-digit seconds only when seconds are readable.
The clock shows 11.42
